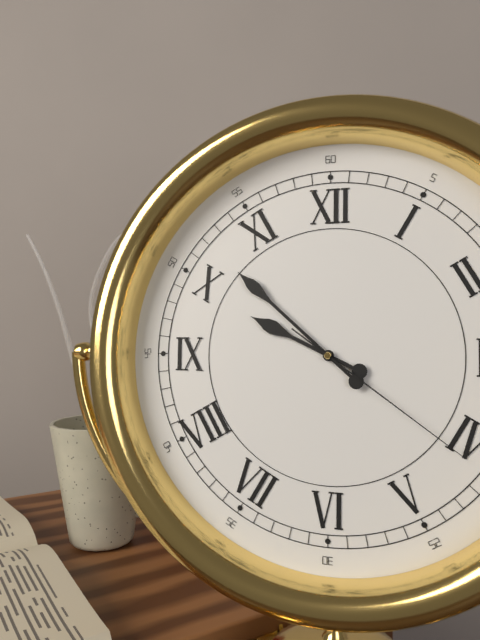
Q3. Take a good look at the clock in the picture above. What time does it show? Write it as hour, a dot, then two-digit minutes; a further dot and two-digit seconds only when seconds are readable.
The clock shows 9.52.21
